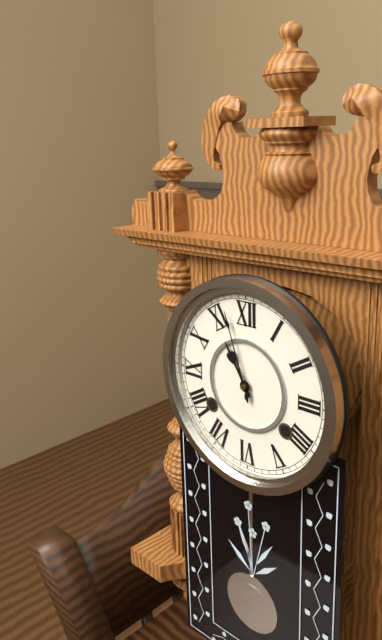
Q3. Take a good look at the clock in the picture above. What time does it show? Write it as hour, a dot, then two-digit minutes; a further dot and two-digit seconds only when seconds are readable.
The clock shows 10.57
